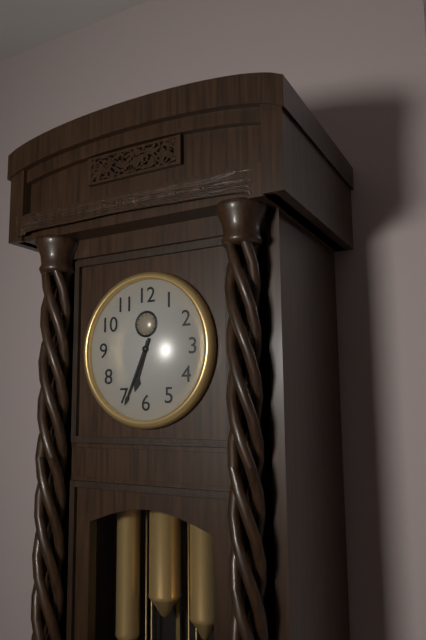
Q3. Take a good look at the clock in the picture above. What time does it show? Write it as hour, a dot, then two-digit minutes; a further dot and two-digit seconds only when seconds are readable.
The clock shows 6.34
